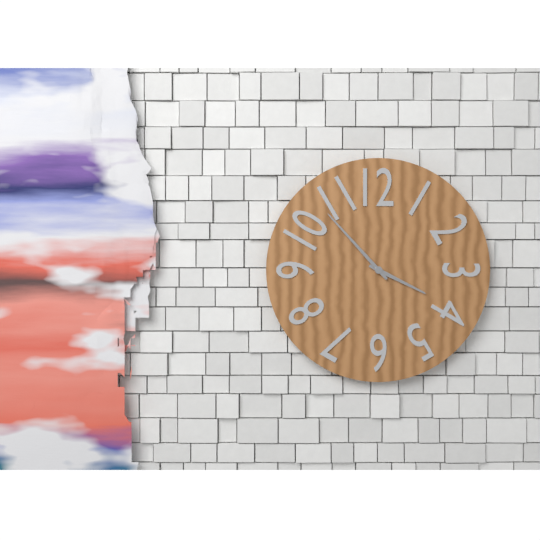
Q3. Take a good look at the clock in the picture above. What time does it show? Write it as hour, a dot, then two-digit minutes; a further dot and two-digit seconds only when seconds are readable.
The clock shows 3.53
